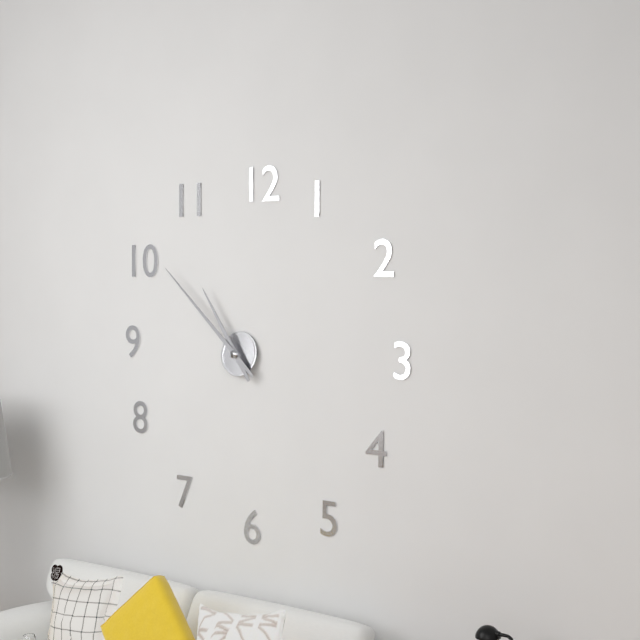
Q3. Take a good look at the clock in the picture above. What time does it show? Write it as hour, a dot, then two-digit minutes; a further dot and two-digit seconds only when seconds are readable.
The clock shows 10.52
